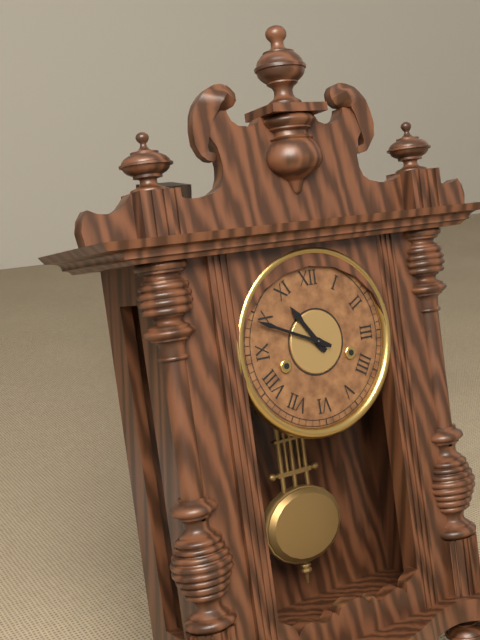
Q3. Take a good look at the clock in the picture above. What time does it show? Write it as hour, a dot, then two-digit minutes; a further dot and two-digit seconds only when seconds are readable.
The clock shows 10.49
